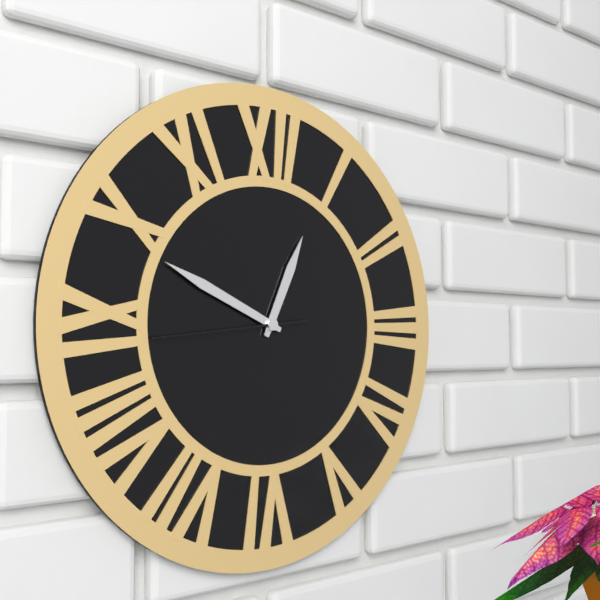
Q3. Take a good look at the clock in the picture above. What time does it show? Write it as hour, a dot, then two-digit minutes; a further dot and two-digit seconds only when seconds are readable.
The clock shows 12.49.44
